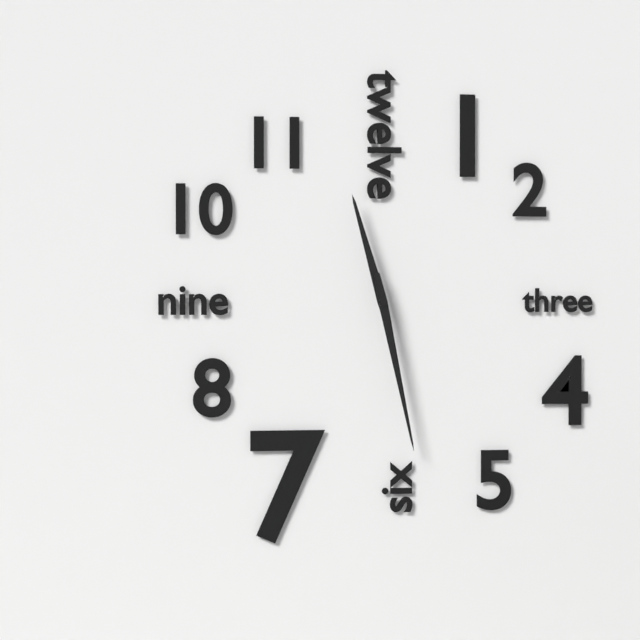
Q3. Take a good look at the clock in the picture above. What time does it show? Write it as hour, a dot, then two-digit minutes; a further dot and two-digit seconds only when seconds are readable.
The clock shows 11.28
